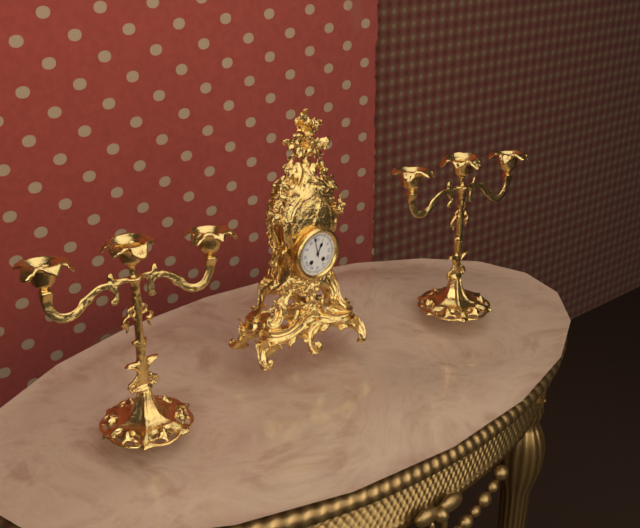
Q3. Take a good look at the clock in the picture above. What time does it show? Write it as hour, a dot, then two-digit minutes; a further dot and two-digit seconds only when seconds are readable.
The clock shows 12.58
